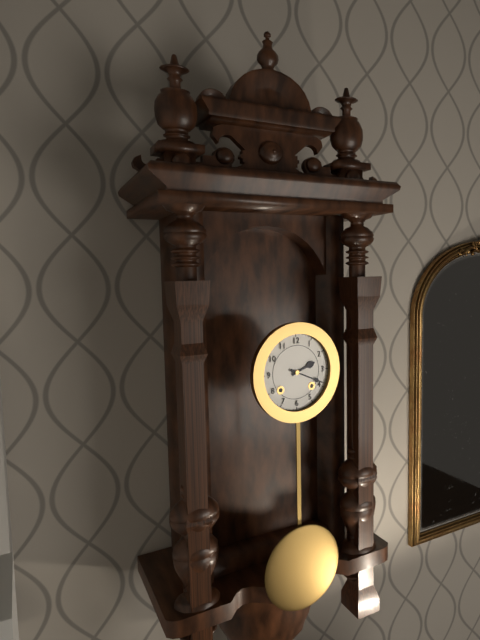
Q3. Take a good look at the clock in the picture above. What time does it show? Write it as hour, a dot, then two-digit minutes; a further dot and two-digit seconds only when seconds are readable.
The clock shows 2.19
